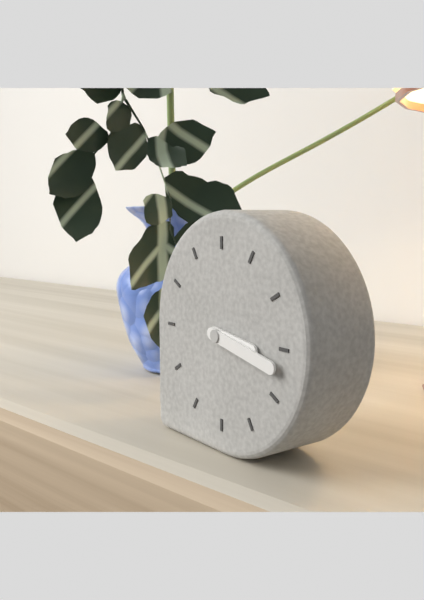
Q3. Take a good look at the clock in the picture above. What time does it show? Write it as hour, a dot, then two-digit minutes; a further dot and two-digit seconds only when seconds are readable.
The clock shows 3.17
